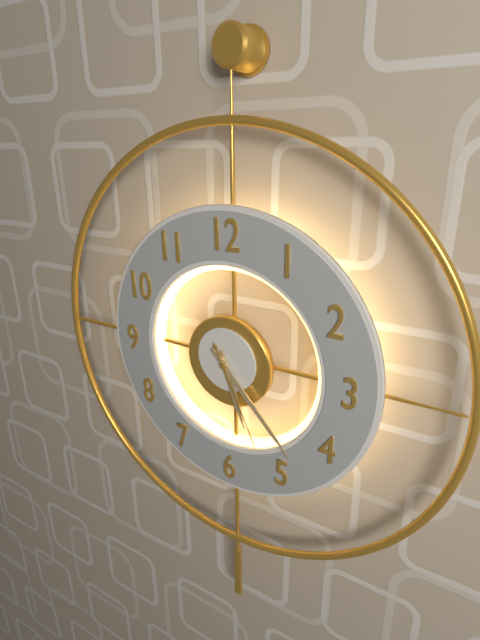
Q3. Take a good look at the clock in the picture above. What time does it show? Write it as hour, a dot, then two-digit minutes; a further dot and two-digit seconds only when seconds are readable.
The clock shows 5.23.26
